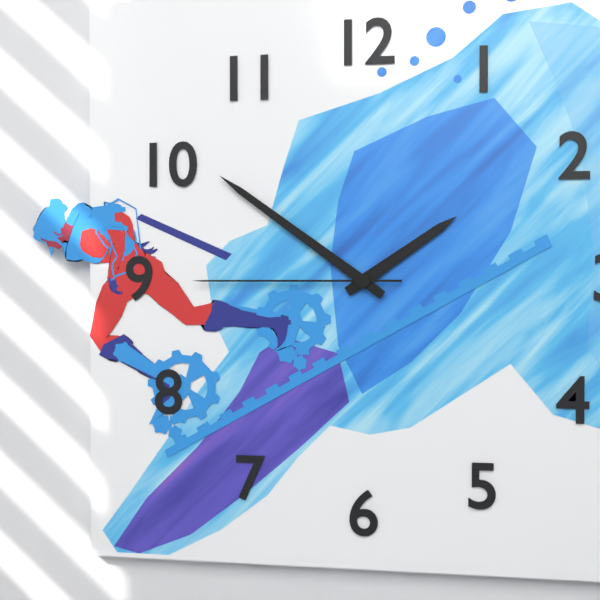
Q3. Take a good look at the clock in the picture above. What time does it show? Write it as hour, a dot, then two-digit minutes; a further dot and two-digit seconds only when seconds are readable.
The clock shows 1.51.45
